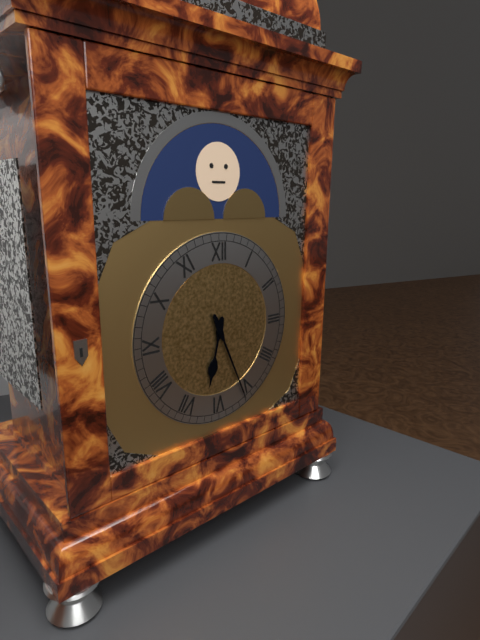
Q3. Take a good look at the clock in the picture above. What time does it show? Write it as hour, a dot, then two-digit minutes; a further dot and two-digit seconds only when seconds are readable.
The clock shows 6.26
